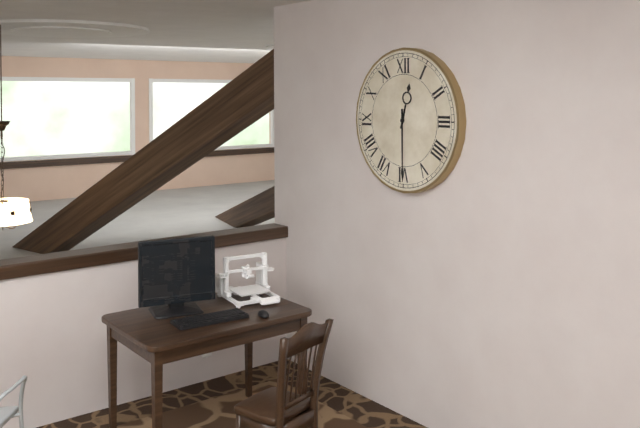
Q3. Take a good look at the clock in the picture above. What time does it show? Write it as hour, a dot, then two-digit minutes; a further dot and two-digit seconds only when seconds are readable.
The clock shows 12.30
